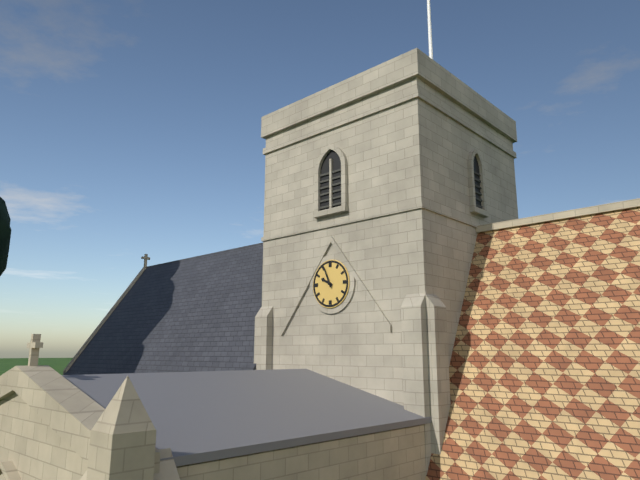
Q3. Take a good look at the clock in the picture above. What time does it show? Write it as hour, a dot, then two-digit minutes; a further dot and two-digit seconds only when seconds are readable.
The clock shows 9.56
